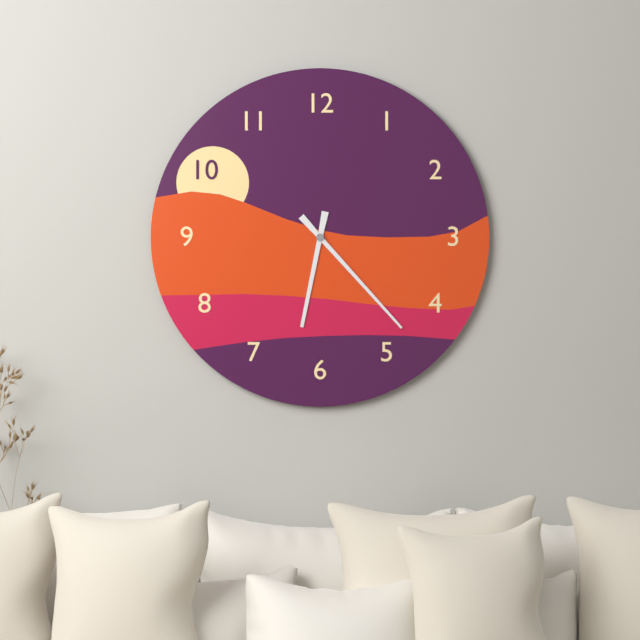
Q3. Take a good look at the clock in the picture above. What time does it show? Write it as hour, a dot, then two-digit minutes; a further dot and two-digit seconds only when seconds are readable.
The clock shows 6.23
